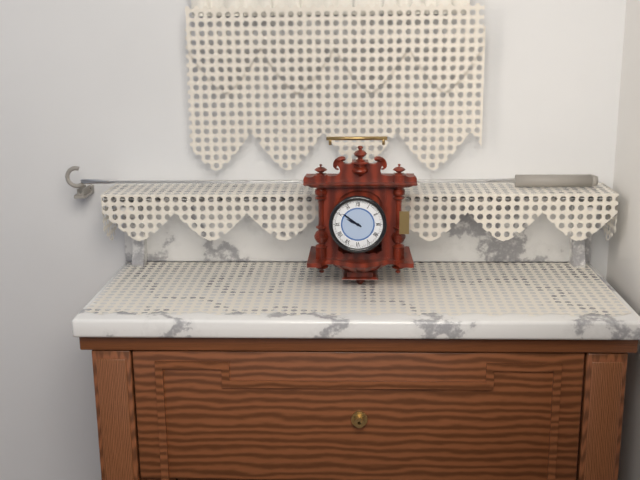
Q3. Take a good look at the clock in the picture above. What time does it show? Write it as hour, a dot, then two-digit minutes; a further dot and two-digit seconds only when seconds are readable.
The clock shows 9.51
